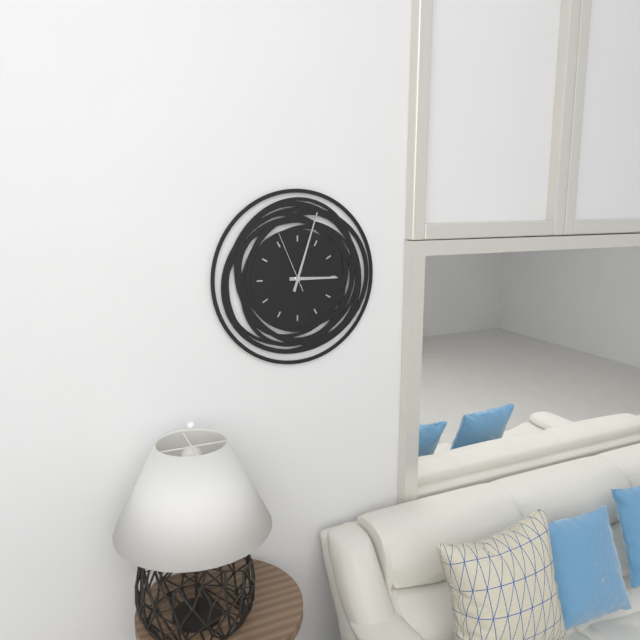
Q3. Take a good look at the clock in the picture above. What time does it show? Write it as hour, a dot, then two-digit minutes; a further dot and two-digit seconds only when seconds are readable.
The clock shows 3.03.56
